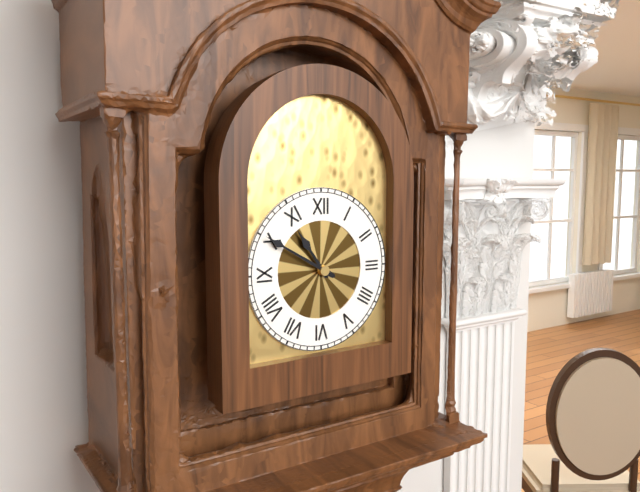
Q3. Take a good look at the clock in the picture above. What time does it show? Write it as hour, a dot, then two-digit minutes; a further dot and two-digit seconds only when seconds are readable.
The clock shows 10.50
